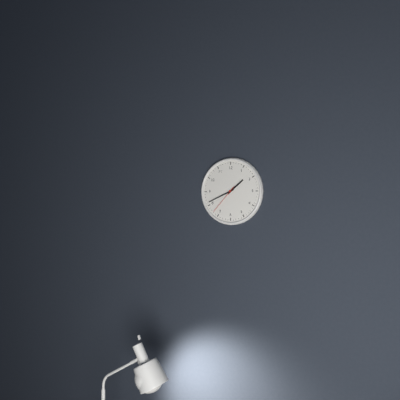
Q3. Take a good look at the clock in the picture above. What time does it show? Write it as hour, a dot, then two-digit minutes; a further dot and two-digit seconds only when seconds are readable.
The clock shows 1.41
